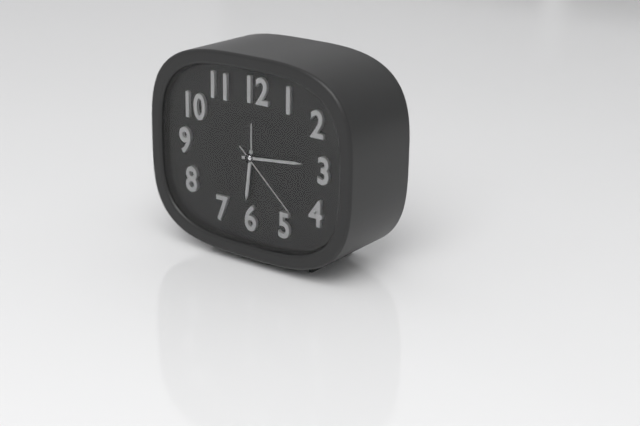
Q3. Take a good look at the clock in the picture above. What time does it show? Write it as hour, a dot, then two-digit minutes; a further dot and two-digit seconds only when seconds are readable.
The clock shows 6.14.22
